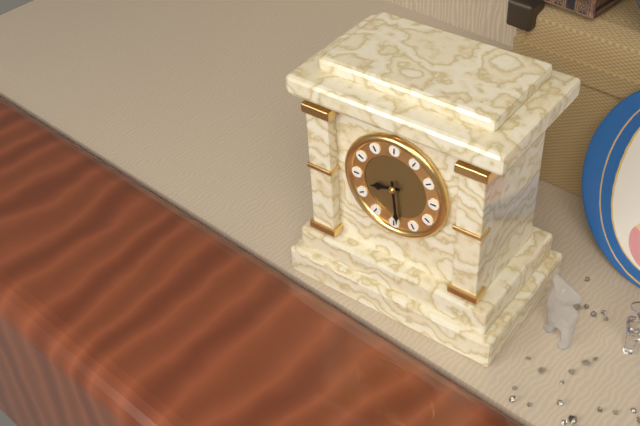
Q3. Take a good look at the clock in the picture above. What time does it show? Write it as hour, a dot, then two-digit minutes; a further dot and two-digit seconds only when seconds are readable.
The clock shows 8.29
